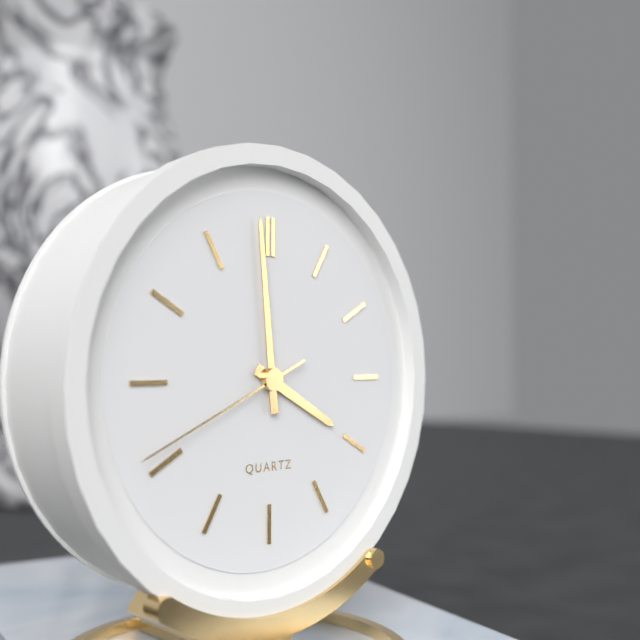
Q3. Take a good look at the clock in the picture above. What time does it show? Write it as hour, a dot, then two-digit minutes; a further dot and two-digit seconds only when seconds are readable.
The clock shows 3.59.41
